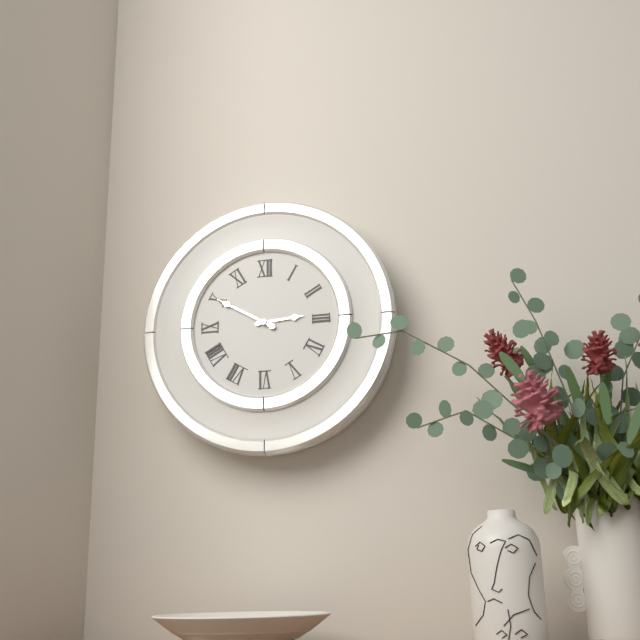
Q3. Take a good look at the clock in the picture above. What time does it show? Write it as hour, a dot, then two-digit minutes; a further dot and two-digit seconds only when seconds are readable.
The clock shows 2.50
